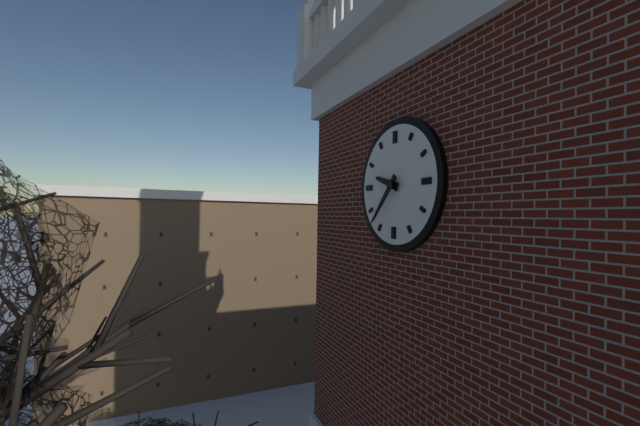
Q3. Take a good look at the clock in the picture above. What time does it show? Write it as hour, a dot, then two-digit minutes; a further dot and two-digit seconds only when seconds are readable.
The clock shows 9.37
